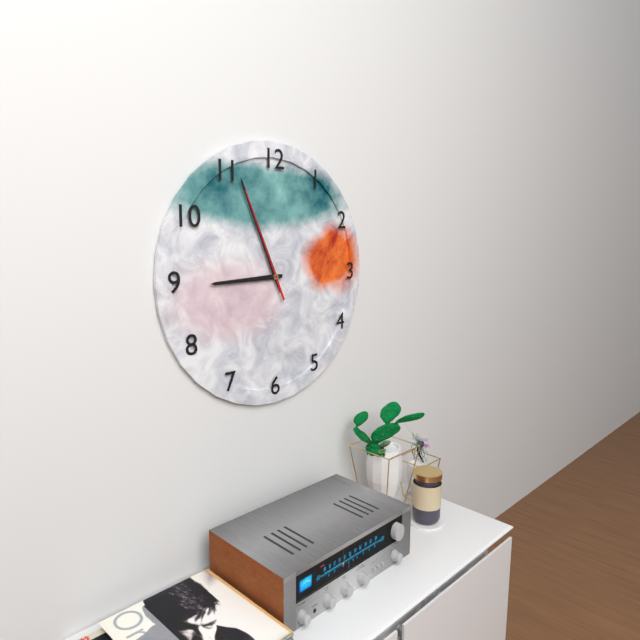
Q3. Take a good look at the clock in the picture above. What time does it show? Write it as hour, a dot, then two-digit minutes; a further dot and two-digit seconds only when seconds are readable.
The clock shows 8.56.56
